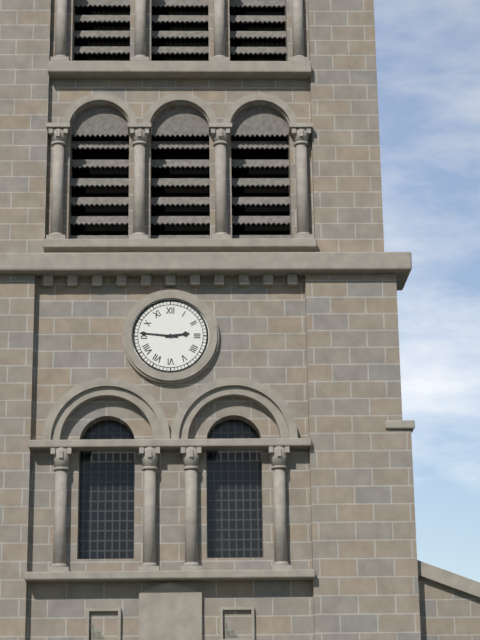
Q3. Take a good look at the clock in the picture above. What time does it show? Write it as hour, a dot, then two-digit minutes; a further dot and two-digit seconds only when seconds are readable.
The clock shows 2.46
